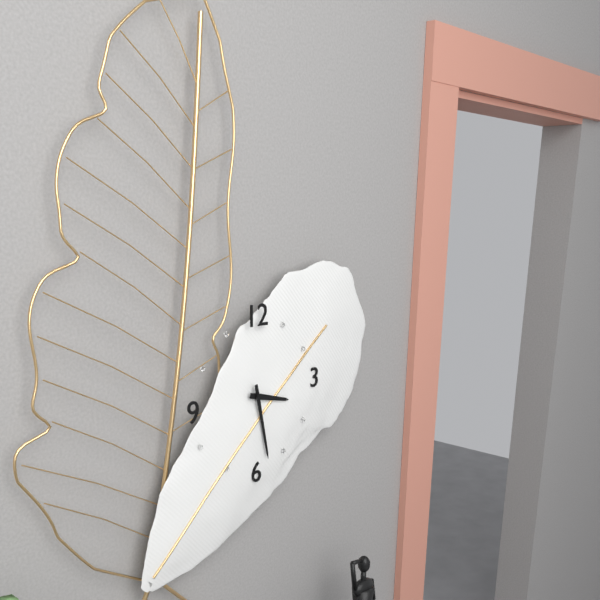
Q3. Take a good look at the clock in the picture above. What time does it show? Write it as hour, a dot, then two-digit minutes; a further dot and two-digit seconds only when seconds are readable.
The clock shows 3.28
